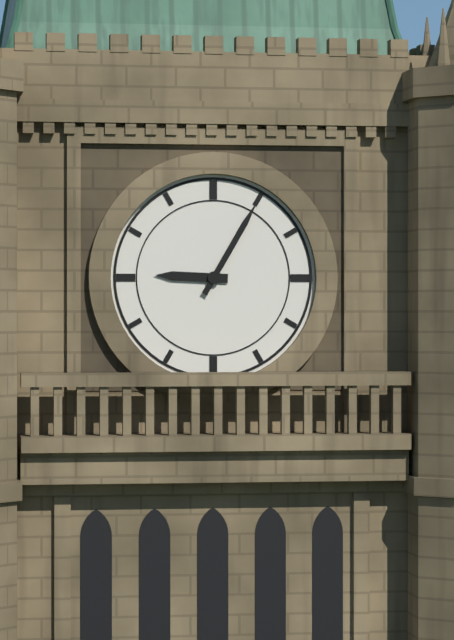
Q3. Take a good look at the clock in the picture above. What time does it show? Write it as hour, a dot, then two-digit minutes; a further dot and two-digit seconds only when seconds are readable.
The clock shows 9.05
